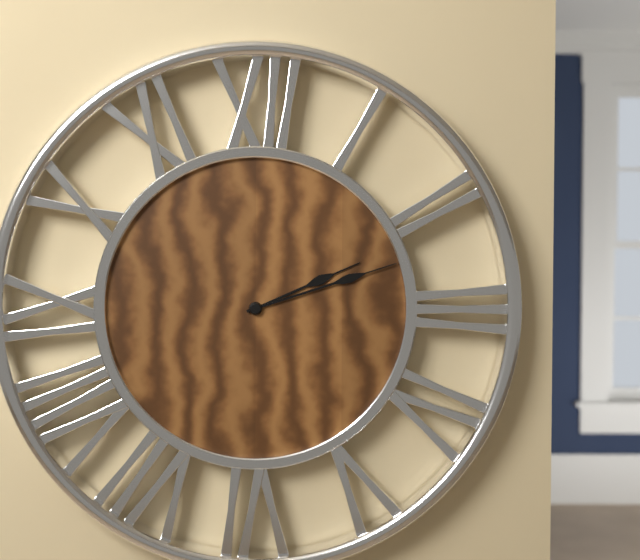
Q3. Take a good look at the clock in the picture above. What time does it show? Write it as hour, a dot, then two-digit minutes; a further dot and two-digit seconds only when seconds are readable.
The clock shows 2.12
